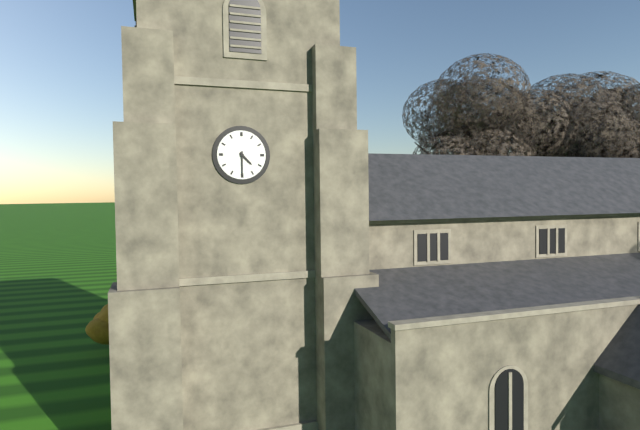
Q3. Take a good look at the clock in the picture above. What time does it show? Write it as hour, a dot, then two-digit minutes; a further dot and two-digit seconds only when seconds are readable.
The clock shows 4.30
